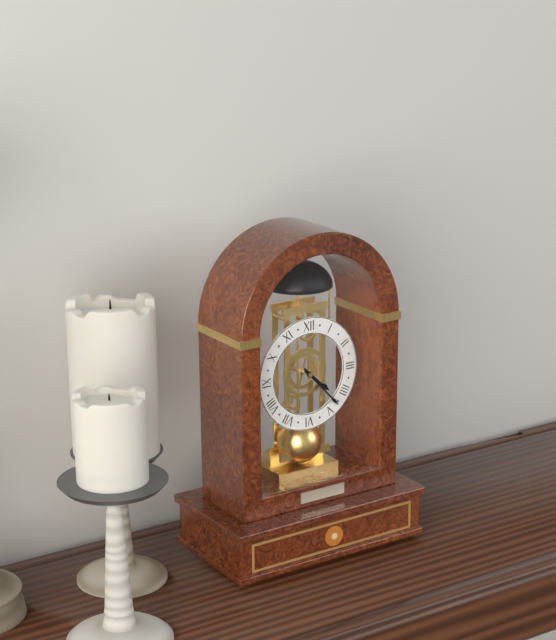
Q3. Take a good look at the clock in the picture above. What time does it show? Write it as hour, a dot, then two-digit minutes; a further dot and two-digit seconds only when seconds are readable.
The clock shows 4.23
